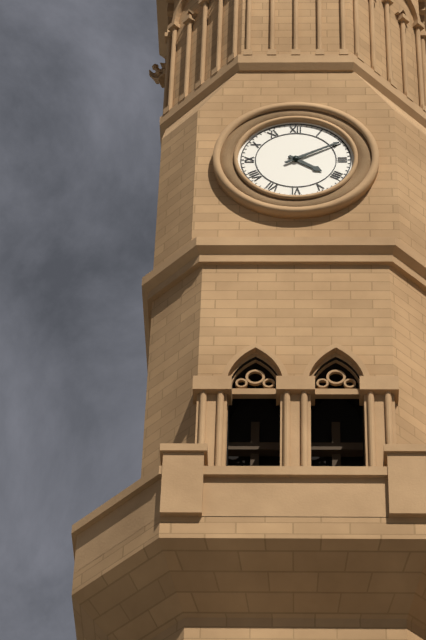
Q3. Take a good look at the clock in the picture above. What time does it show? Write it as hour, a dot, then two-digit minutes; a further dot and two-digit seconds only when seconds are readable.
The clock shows 4.10
